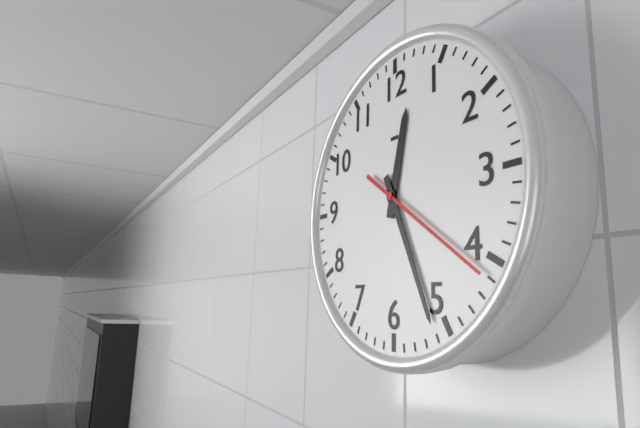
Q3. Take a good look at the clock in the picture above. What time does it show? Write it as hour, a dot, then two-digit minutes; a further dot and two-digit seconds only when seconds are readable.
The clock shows 12.26.21
